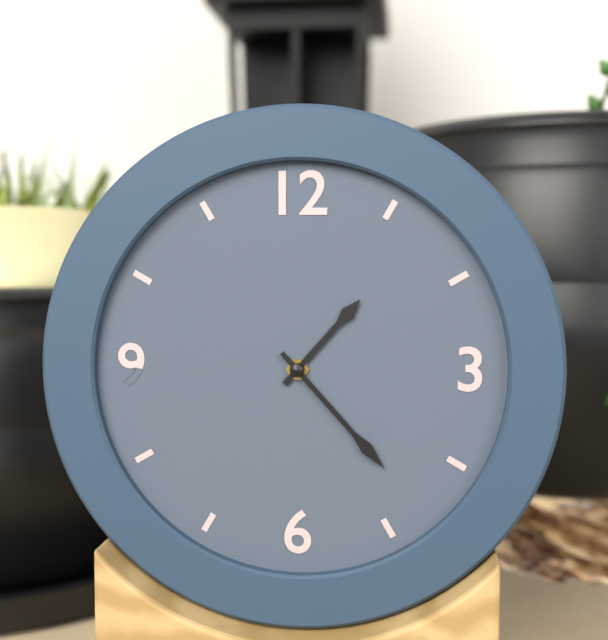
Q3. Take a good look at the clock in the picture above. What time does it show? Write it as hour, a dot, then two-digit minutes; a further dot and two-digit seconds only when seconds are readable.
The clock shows 1.23
